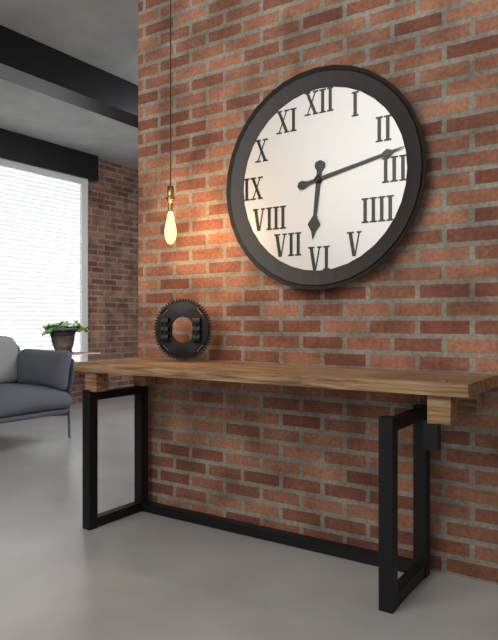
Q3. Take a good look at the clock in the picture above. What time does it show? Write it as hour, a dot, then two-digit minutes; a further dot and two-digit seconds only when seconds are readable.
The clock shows 6.13
